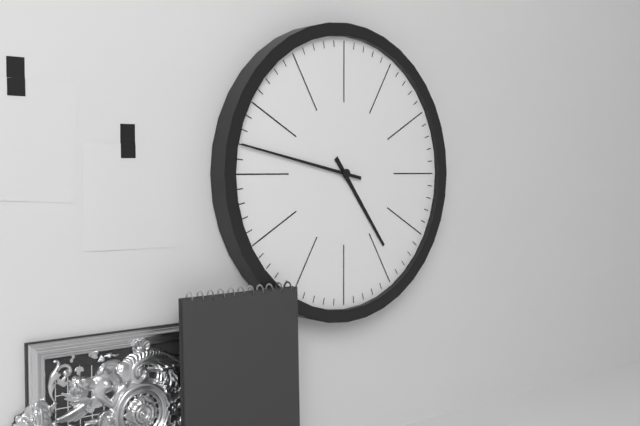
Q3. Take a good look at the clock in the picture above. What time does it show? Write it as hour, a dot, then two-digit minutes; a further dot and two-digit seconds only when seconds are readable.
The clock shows 4.47
